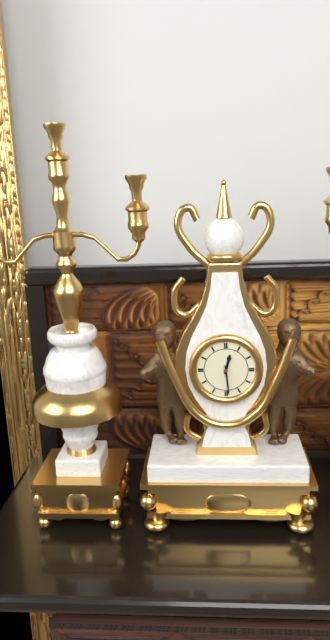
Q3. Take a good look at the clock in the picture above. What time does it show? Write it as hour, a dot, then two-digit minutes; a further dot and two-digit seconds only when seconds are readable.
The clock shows 12.29
